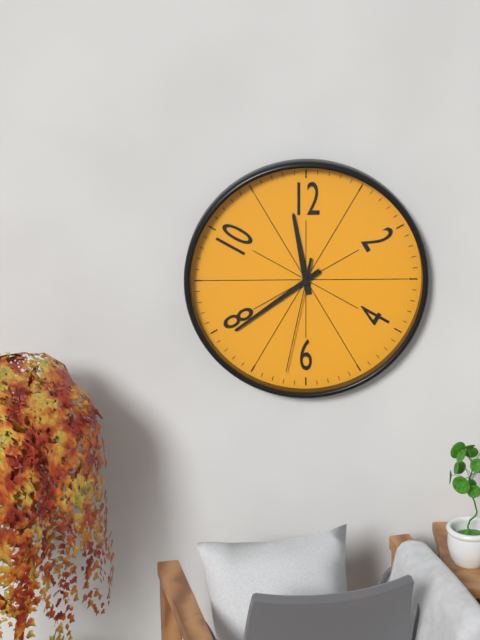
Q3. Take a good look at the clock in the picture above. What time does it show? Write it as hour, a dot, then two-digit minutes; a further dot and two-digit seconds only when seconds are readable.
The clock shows 11.39.32
